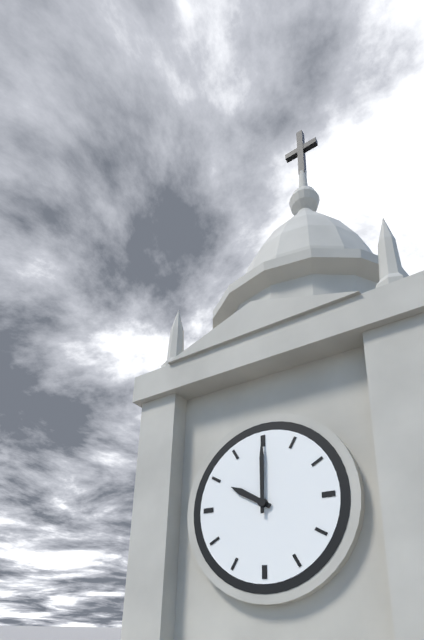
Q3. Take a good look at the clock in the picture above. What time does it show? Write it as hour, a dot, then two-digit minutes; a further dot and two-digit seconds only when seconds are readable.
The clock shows 10.00
